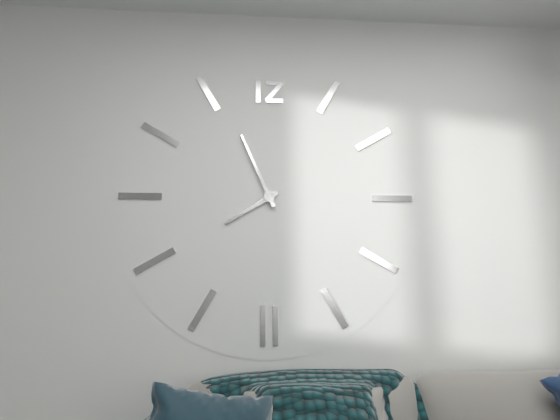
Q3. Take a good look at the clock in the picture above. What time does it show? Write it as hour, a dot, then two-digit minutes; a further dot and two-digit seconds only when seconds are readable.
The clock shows 7.56
